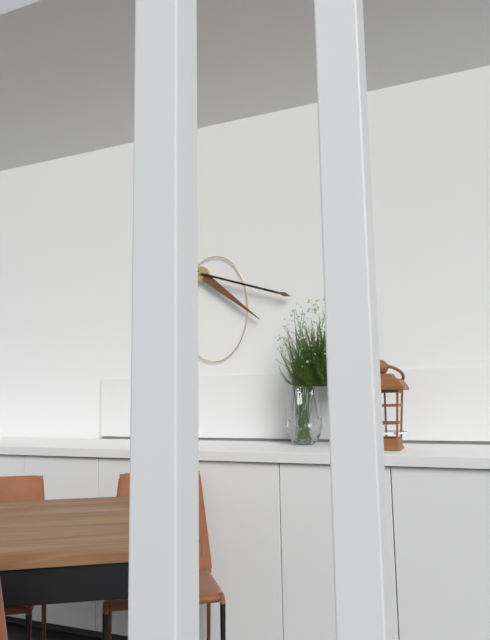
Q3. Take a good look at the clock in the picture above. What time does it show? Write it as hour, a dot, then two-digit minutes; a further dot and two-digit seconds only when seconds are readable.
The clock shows 4.18
